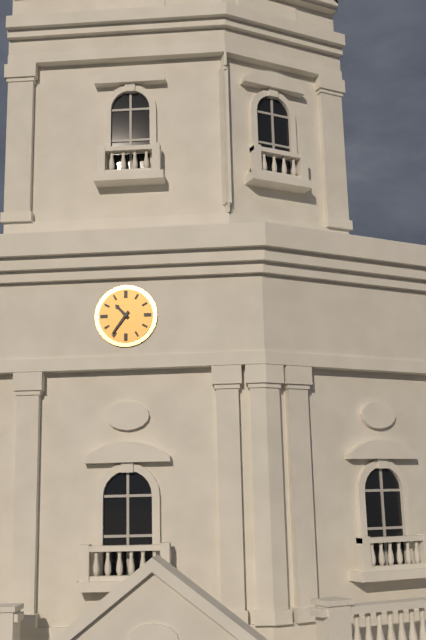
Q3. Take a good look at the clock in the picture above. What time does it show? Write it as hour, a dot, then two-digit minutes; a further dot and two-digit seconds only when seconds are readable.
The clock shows 10.36
